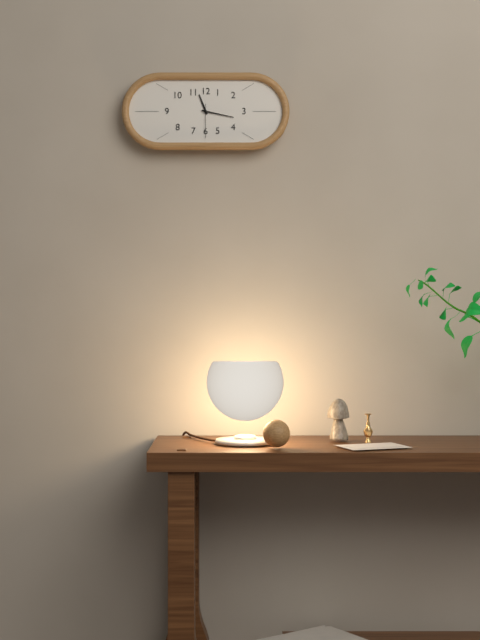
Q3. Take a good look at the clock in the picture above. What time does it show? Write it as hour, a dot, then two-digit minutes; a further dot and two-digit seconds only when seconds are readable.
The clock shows 11.17
